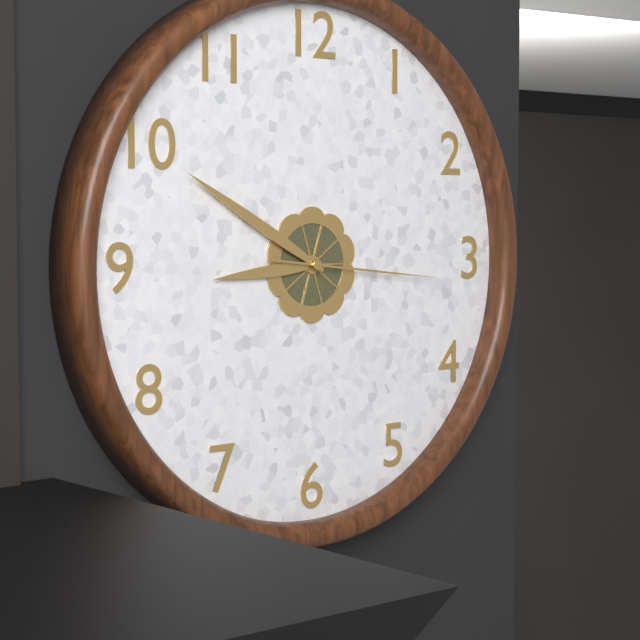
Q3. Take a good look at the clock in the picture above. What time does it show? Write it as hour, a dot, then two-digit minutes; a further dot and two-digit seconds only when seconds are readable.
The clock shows 8.50.16
